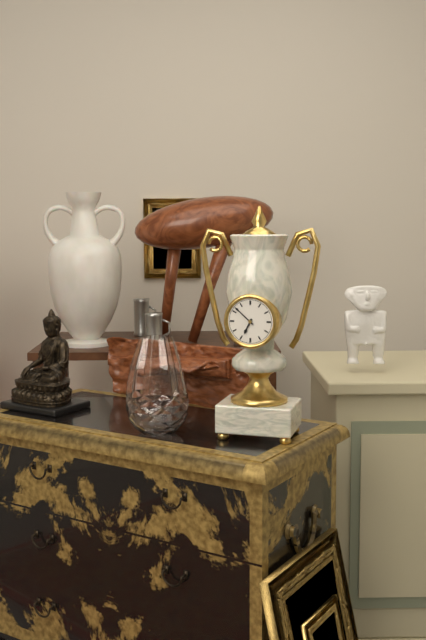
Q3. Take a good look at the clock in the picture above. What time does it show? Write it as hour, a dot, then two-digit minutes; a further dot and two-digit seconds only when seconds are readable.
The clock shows 6.52
